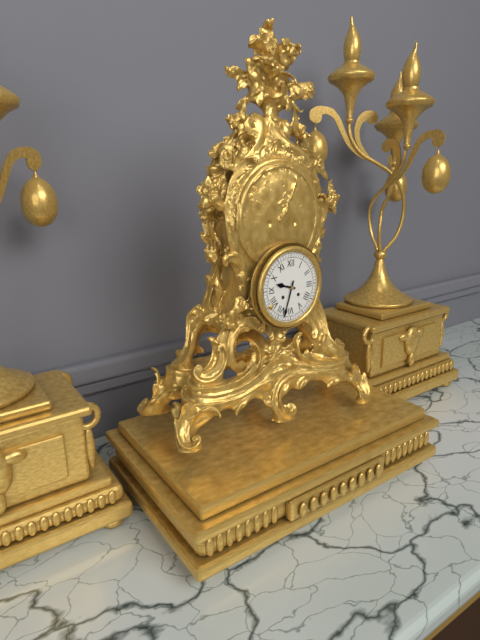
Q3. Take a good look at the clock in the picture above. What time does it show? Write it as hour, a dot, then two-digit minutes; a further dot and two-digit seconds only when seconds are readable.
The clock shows 9.33
